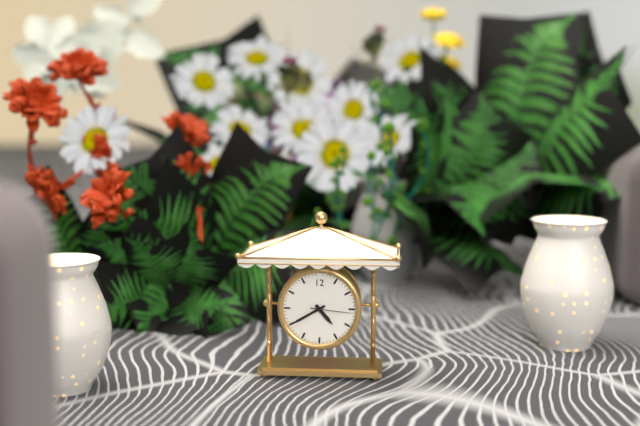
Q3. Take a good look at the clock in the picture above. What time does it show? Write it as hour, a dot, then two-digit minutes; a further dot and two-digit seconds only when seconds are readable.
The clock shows 4.40
